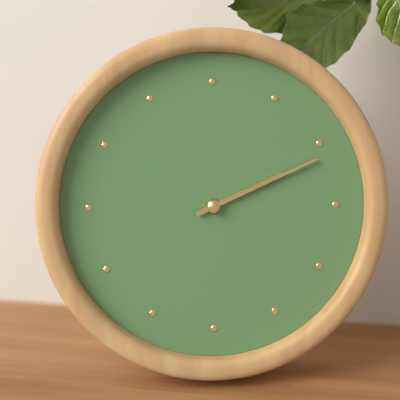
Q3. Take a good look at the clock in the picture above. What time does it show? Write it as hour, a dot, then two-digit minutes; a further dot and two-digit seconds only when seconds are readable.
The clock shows 2.11
